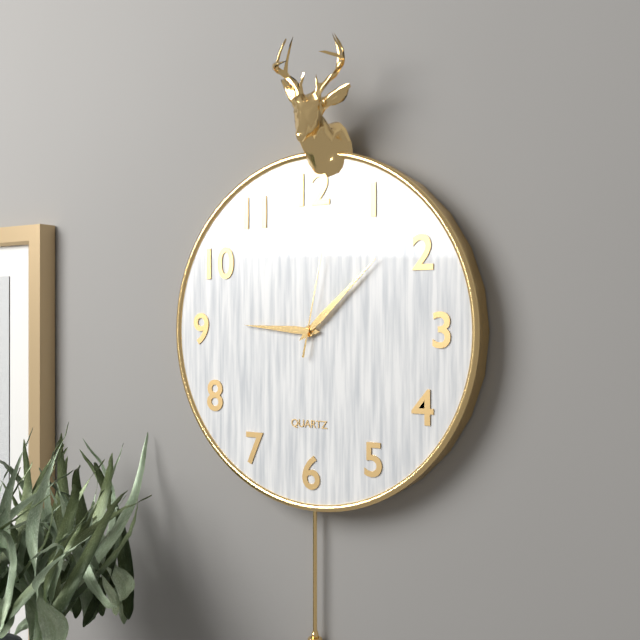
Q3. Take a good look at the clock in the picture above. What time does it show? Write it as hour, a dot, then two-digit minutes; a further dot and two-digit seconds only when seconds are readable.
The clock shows 9.08.02
